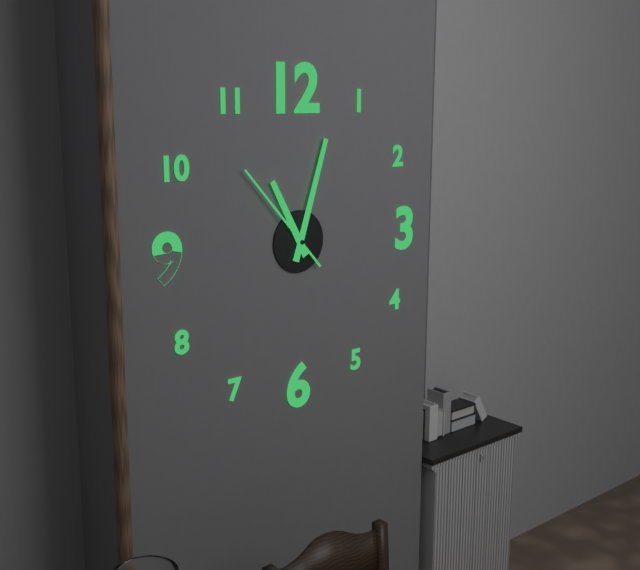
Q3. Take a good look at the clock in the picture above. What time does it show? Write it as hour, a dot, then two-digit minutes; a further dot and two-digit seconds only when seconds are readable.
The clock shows 11.03.53
